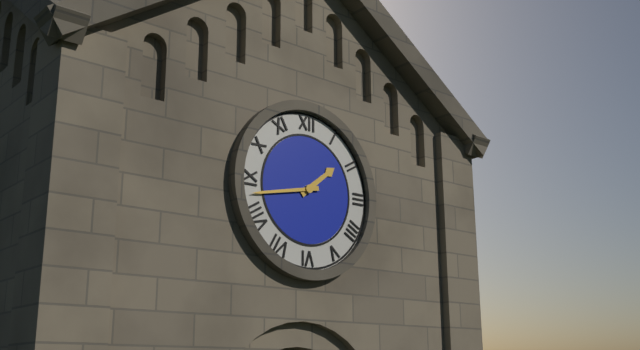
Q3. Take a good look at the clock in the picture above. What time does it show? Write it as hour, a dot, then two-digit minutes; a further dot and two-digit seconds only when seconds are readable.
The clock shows 1.43
